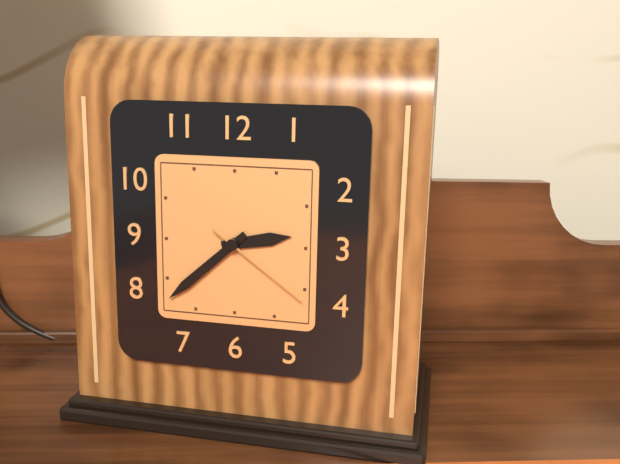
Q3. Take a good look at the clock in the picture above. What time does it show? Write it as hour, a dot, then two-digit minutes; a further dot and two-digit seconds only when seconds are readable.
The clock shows 2.38.21
